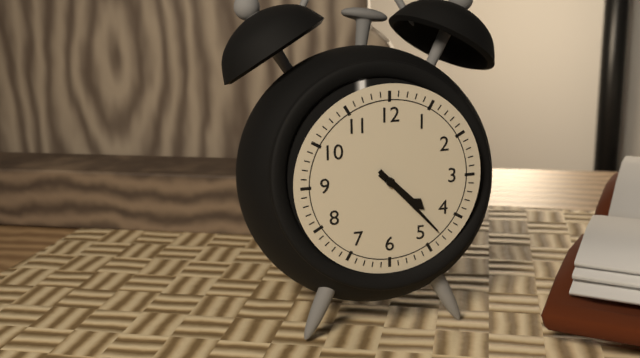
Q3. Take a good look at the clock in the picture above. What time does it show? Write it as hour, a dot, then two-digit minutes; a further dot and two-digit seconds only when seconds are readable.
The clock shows 4.23
